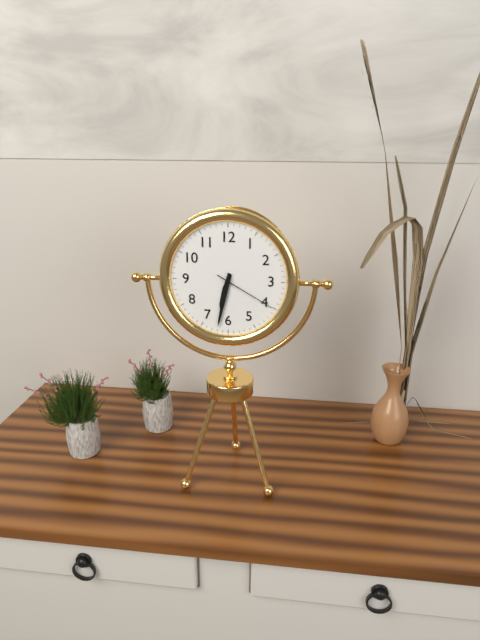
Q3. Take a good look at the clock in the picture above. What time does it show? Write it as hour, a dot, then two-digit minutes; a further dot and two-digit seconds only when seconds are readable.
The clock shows 6.32.20
